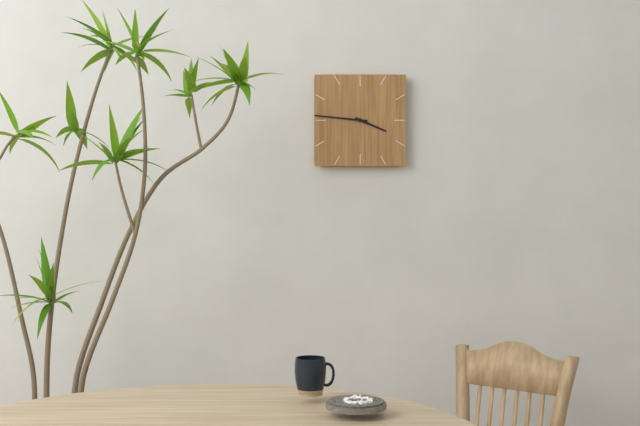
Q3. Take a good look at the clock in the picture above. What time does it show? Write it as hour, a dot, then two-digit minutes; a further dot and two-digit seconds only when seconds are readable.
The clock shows 3.46
